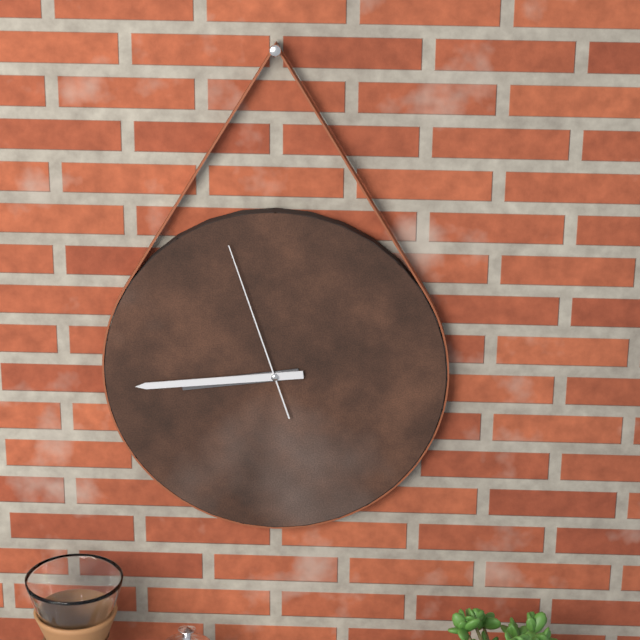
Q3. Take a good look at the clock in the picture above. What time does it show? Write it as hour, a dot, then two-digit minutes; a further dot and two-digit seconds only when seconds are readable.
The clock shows 8.44.57
